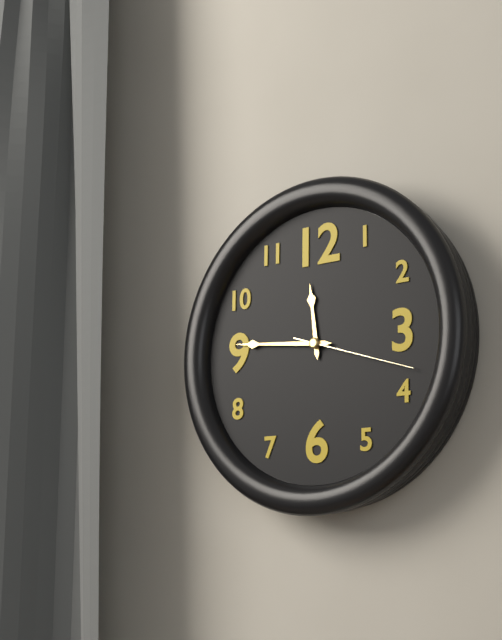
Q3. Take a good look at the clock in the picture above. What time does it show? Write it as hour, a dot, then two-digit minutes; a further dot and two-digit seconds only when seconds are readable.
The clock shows 11.46.18
